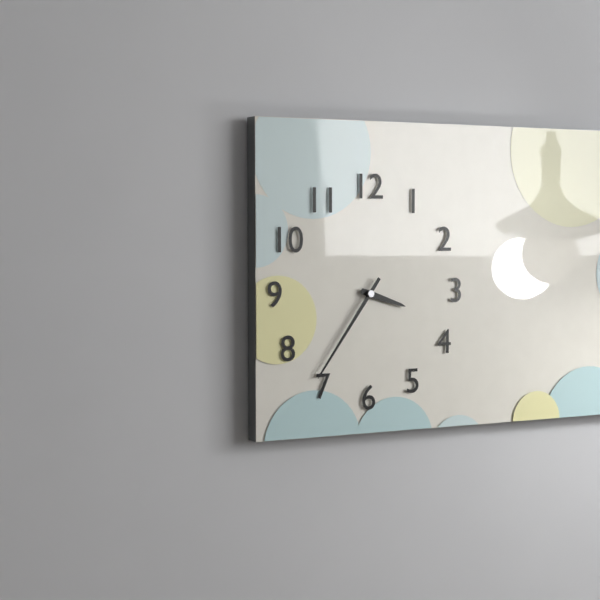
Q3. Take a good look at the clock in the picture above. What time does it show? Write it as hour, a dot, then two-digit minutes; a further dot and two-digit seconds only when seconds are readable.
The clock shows 3.36
